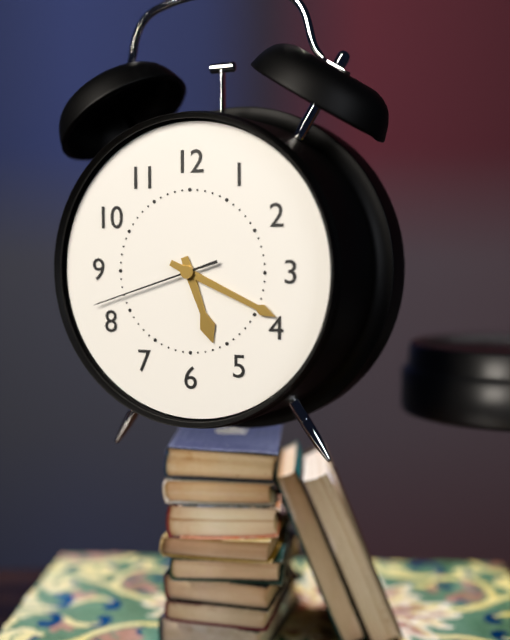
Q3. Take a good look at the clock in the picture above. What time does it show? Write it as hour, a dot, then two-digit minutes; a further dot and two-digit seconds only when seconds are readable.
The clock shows 5.19.42
